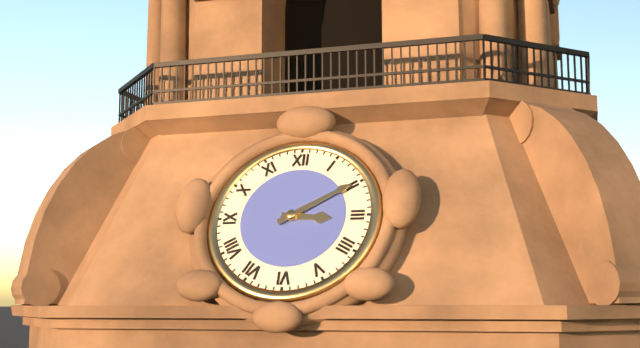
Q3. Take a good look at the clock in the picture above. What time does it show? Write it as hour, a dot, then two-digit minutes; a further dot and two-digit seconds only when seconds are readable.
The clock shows 3.10
